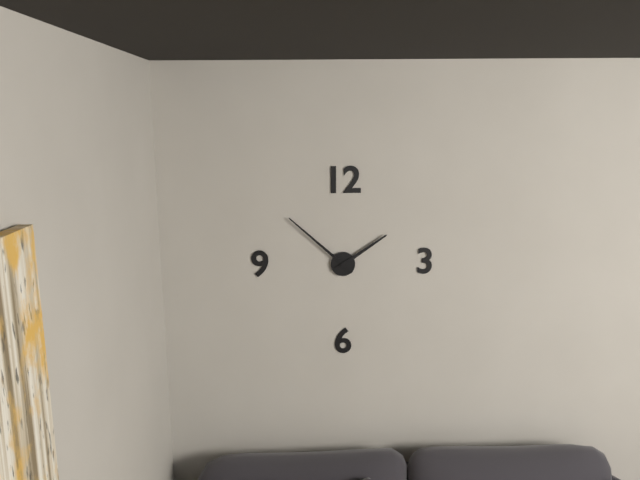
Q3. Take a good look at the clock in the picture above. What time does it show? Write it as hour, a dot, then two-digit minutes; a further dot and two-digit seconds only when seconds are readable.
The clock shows 1.52
